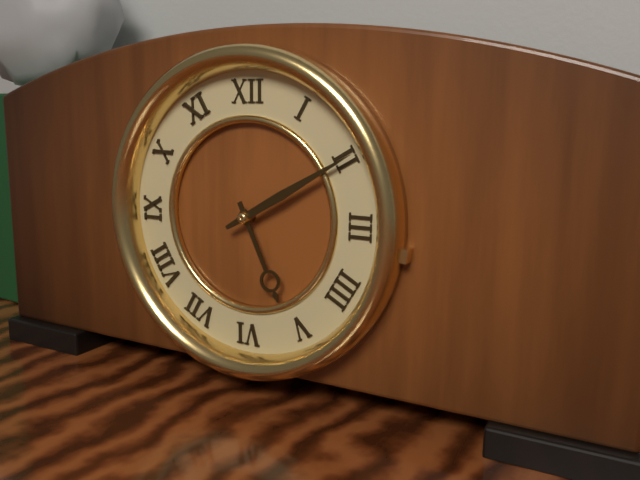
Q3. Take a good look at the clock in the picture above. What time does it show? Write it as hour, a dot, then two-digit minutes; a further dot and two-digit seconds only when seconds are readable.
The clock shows 5.10
